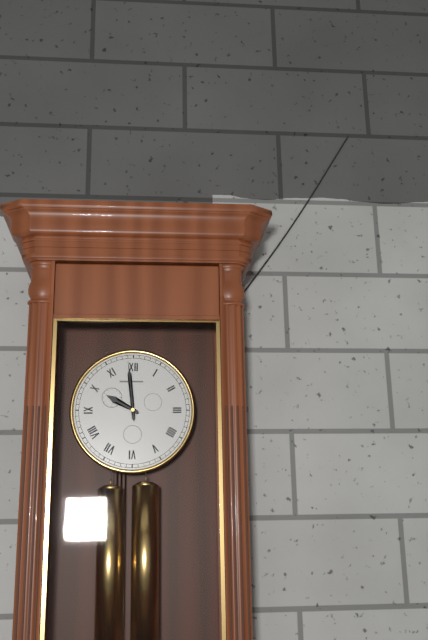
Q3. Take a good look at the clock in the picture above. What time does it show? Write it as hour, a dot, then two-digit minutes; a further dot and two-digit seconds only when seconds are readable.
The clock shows 9.59
